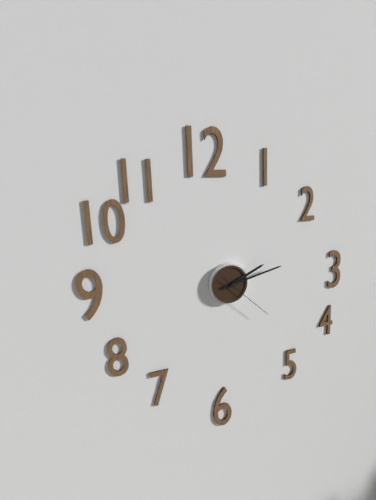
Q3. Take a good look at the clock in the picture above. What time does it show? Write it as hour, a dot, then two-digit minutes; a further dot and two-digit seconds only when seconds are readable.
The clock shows 2.13.22
